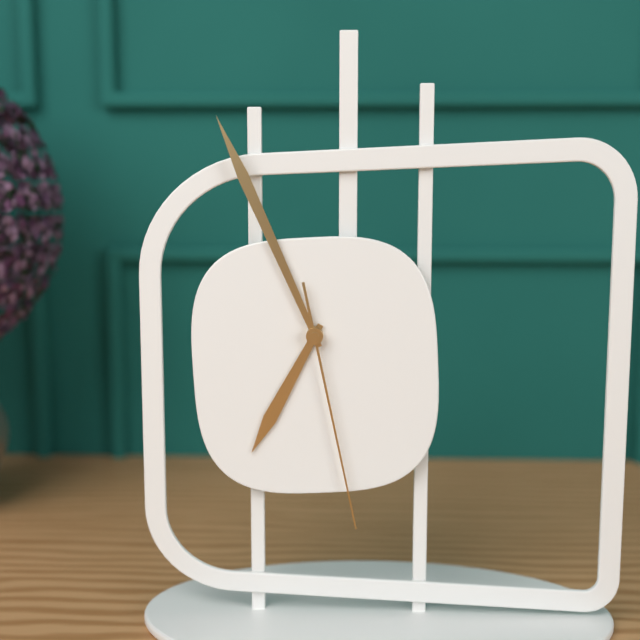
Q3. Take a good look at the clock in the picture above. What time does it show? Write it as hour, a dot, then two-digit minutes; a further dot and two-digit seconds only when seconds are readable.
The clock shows 6.56.28
